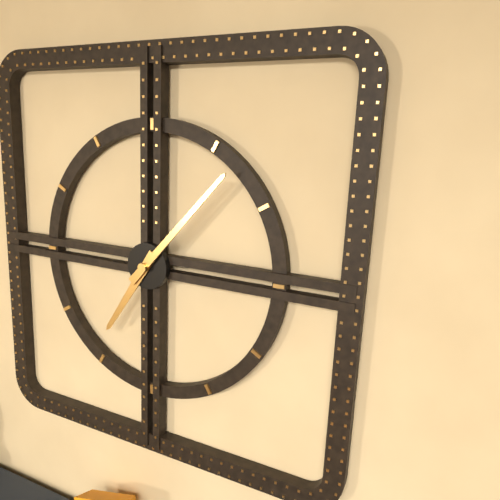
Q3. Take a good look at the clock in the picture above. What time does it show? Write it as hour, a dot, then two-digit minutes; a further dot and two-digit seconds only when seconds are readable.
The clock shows 7.07
